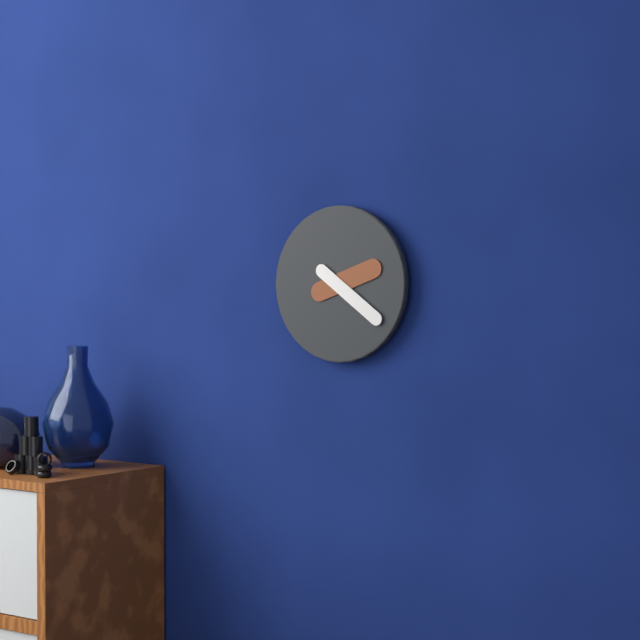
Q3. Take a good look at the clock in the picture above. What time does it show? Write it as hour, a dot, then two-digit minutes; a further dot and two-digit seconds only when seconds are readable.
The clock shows 2.21
